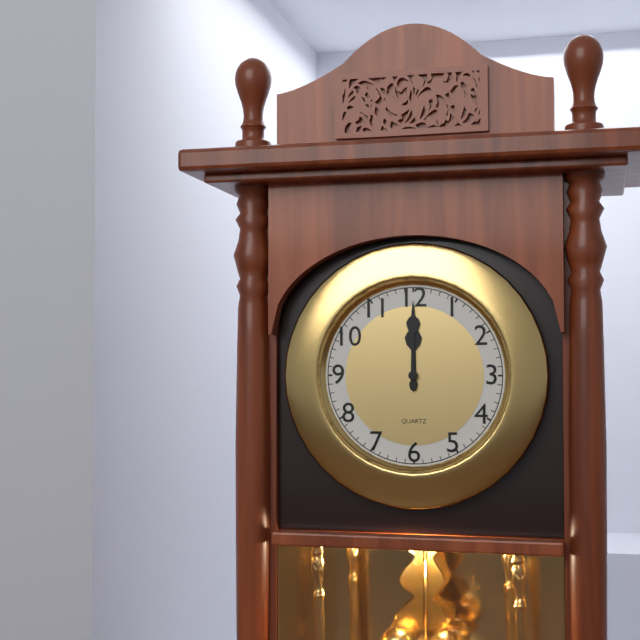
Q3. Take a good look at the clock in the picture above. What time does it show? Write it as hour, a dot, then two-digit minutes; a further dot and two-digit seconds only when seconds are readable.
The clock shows 12.00
